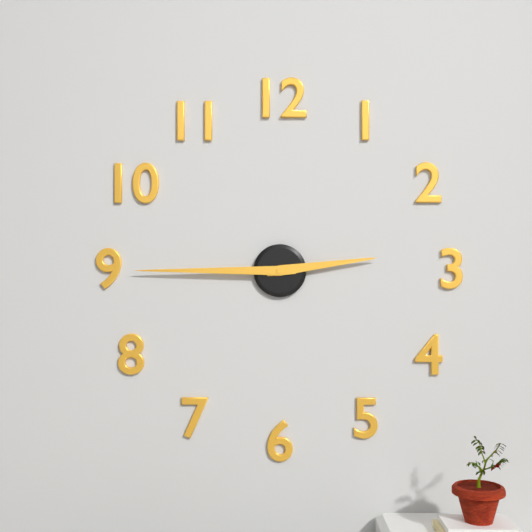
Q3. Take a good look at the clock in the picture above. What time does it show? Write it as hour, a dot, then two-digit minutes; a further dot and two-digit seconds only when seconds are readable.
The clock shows 2.45
